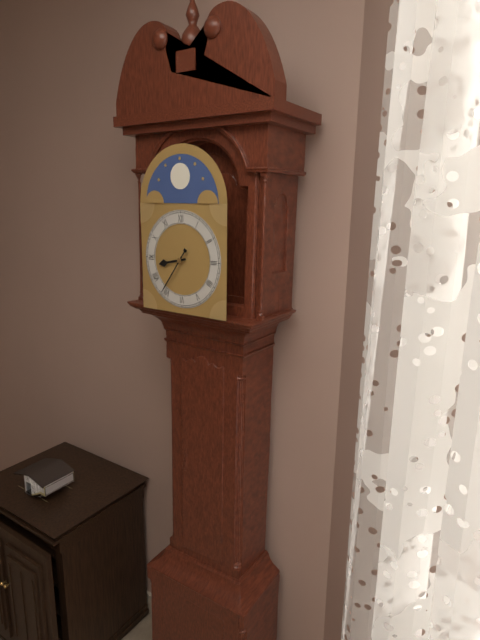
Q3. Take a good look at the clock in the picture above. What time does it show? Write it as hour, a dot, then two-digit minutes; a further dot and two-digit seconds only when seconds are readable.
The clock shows 8.36
